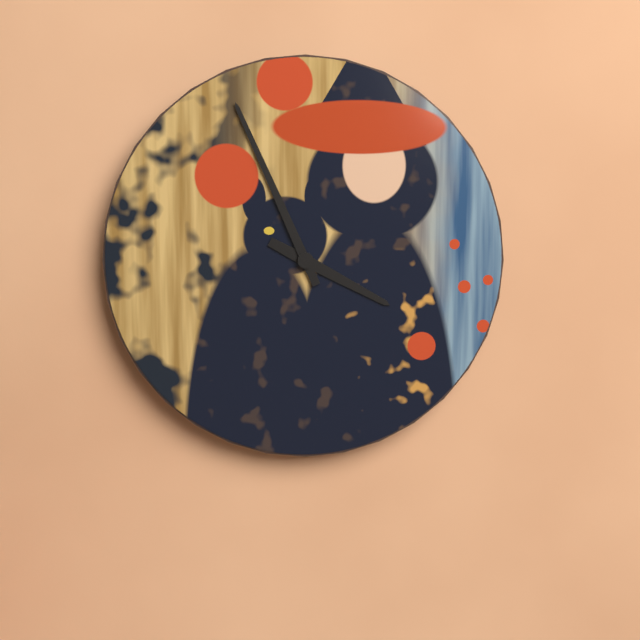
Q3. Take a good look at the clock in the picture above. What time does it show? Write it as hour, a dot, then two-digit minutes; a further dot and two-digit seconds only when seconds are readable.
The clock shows 3.56
